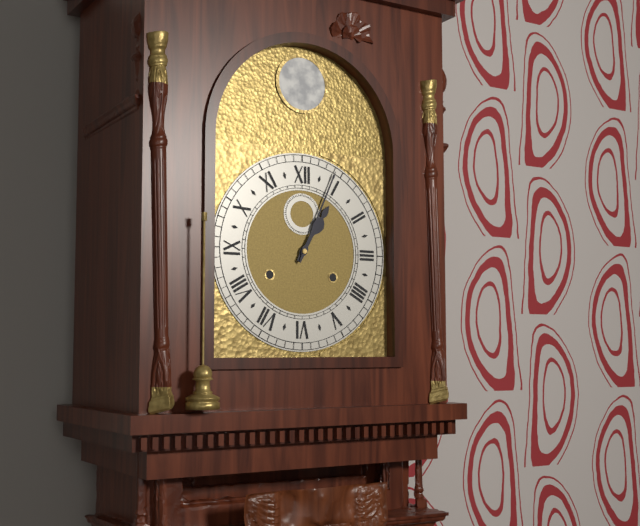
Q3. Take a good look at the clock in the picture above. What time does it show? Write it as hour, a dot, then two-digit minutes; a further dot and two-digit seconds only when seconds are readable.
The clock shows 1.04
